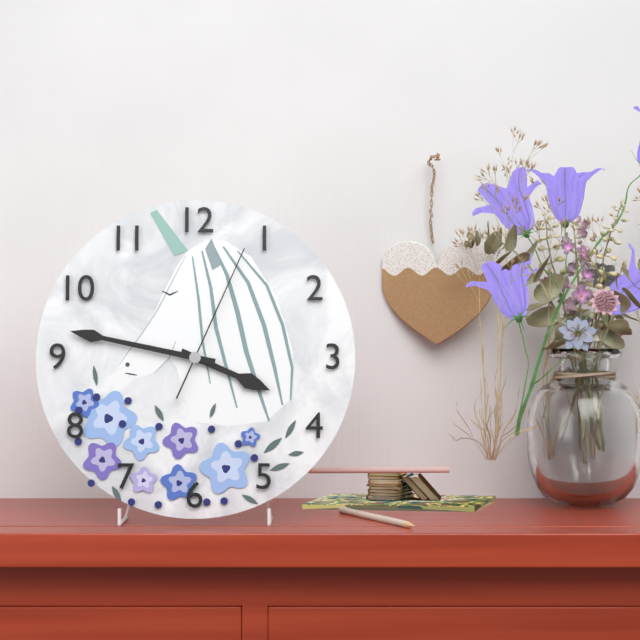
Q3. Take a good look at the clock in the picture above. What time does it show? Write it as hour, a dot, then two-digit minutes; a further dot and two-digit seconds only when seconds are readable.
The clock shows 3.47.04
